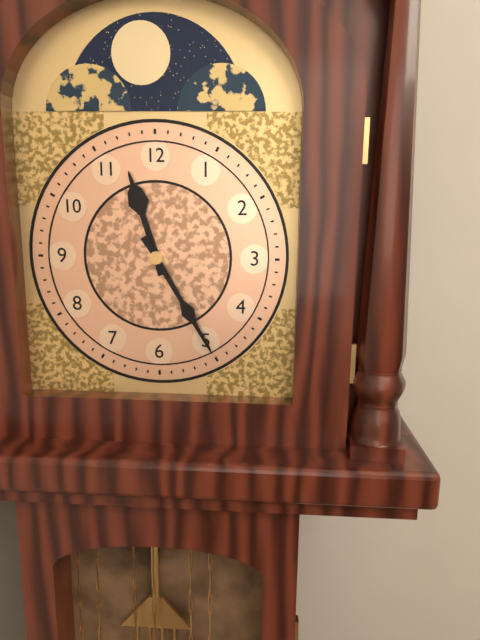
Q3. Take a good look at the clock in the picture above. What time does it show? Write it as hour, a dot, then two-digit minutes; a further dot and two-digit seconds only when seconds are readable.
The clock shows 11.25
